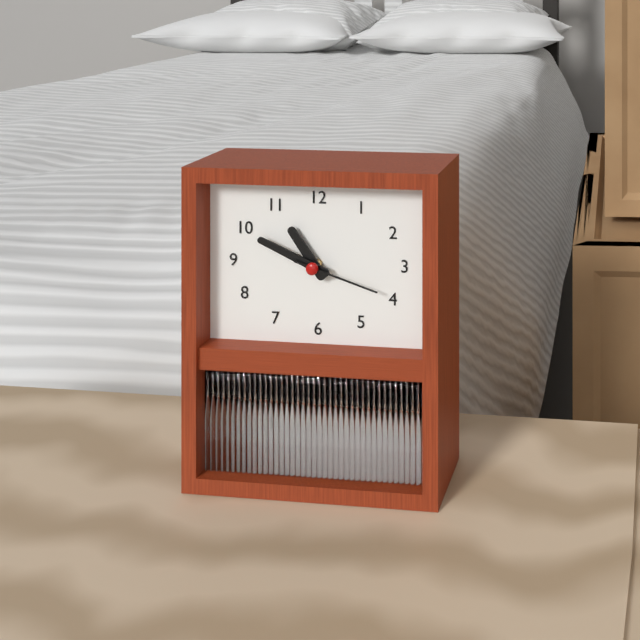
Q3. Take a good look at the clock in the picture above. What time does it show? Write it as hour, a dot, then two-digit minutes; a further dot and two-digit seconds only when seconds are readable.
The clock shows 10.49.18
